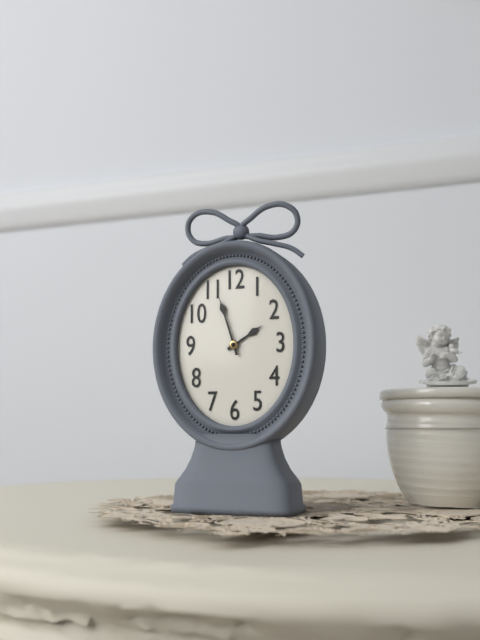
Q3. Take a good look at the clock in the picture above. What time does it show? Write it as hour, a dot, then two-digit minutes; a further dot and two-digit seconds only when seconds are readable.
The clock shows 1.57
